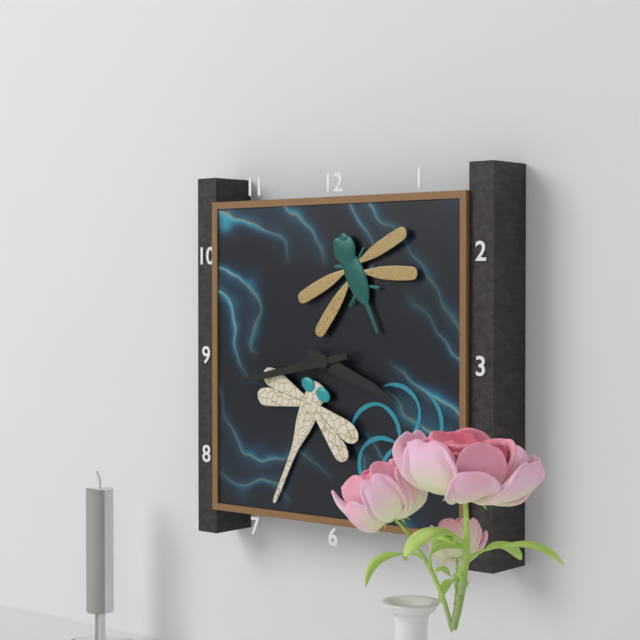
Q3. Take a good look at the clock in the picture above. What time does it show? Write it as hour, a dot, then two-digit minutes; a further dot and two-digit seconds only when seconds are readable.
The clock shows 3.43
